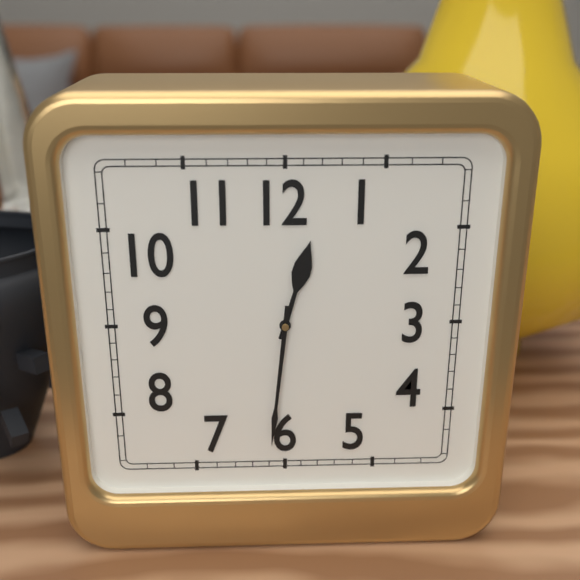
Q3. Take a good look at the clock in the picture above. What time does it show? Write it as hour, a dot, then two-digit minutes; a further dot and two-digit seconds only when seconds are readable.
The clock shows 12.31
